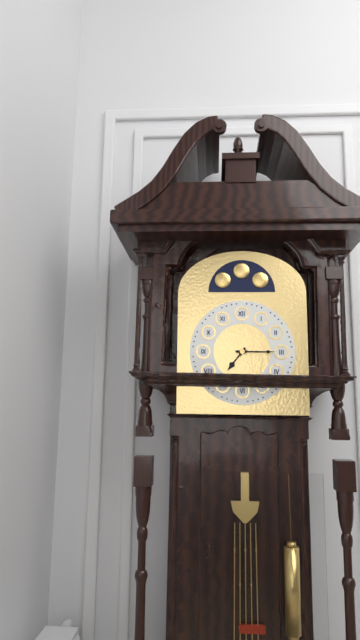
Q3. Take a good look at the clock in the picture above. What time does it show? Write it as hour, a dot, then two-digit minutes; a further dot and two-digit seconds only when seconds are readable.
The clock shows 7.15
